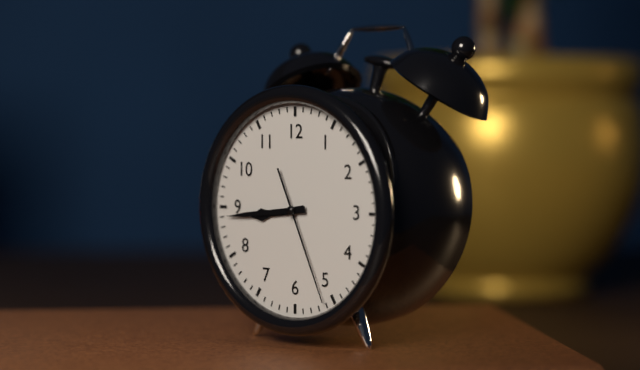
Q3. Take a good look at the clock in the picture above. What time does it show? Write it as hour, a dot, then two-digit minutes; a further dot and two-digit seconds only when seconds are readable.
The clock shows 8.44.26
